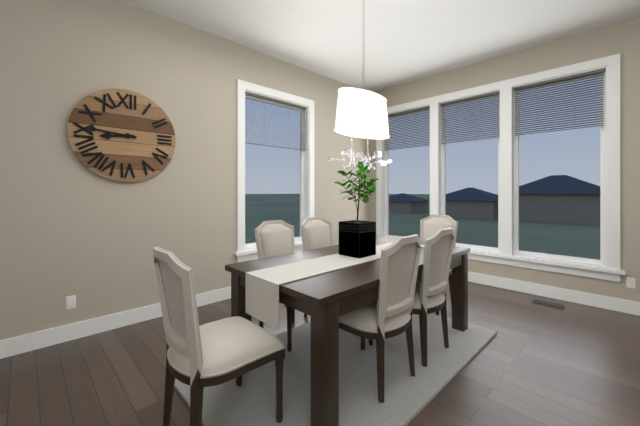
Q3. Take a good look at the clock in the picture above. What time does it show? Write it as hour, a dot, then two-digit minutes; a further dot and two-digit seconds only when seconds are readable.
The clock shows 8.46
